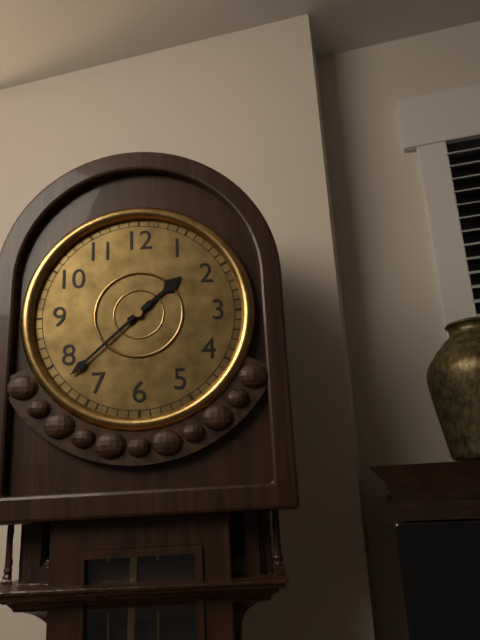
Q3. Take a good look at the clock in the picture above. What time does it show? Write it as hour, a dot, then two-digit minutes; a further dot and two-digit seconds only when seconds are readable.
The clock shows 1.38
